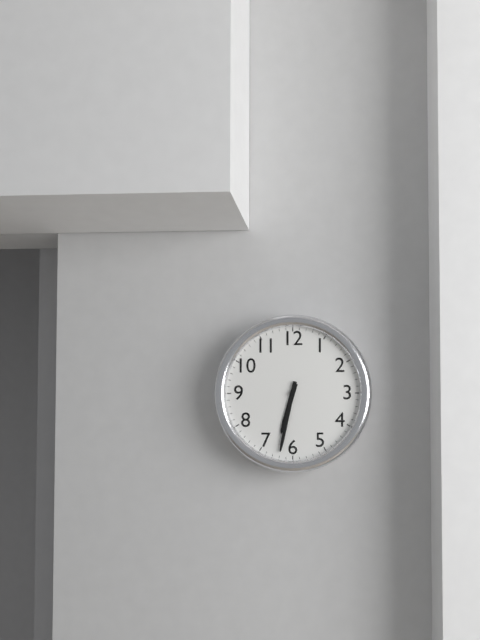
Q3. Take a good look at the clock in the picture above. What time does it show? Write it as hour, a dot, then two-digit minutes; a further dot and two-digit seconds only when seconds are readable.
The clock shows 6.32
